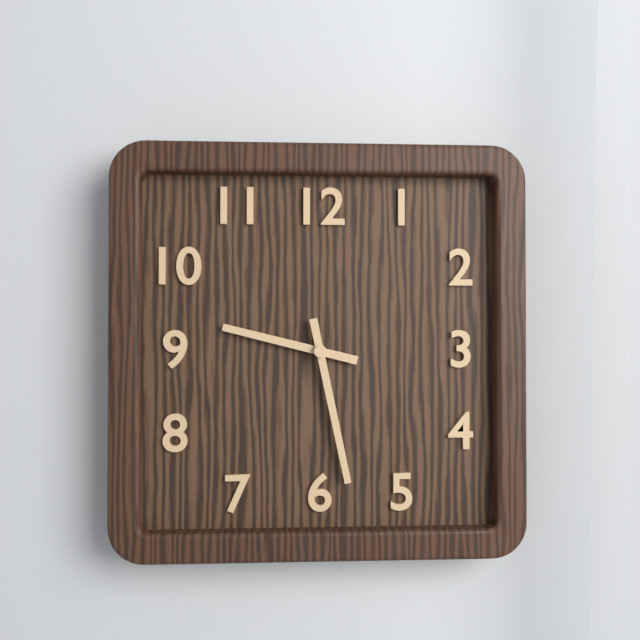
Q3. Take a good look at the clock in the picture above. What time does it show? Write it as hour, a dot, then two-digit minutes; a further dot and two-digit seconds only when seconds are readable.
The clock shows 9.28
